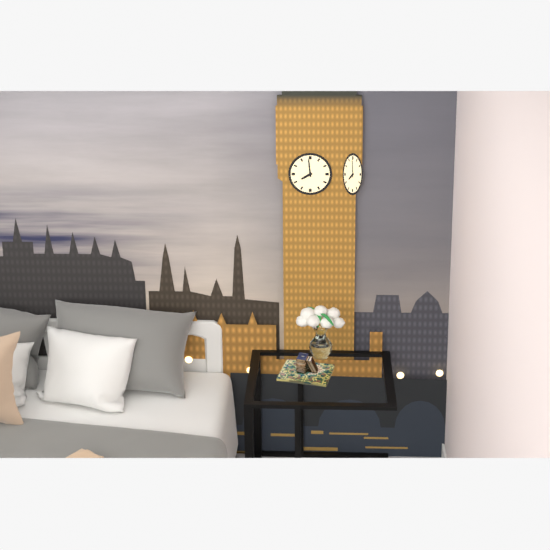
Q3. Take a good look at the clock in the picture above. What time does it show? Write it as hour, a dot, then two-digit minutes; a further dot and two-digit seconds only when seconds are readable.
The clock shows 7.59
